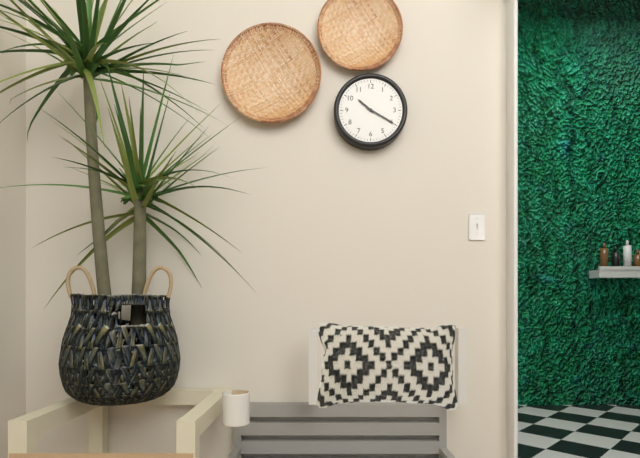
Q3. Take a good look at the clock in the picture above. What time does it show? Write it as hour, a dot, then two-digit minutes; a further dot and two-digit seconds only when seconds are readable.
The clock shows 10.20
